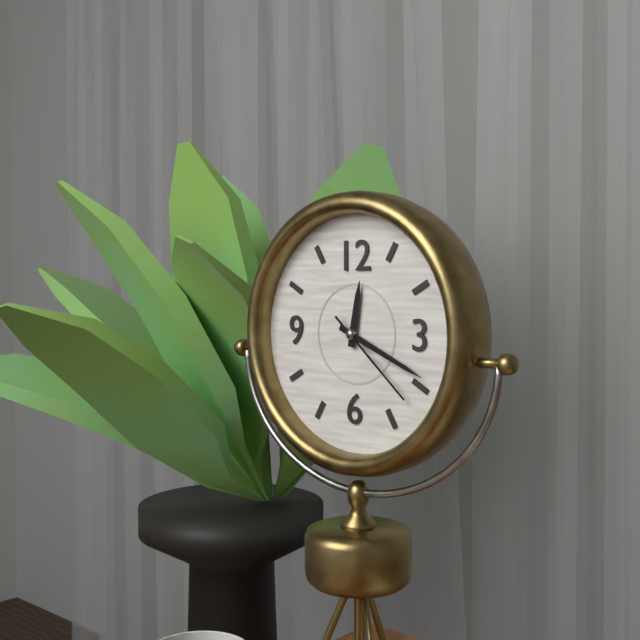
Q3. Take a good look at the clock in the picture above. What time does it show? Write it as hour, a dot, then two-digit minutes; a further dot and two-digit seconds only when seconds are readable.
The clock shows 12.19.22
